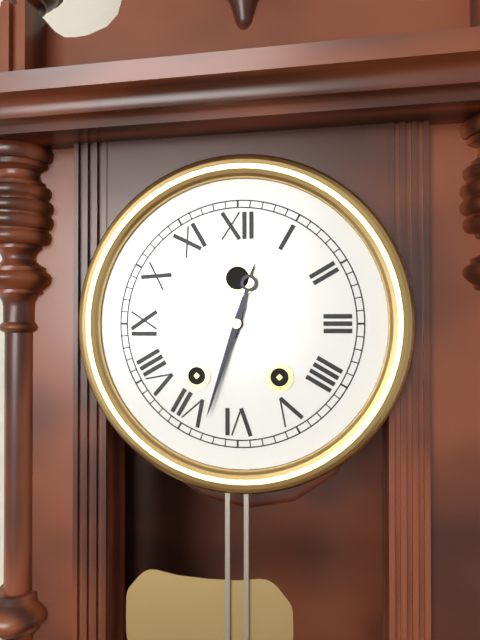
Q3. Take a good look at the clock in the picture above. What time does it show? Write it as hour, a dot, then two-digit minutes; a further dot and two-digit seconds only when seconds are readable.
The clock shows 12.33
